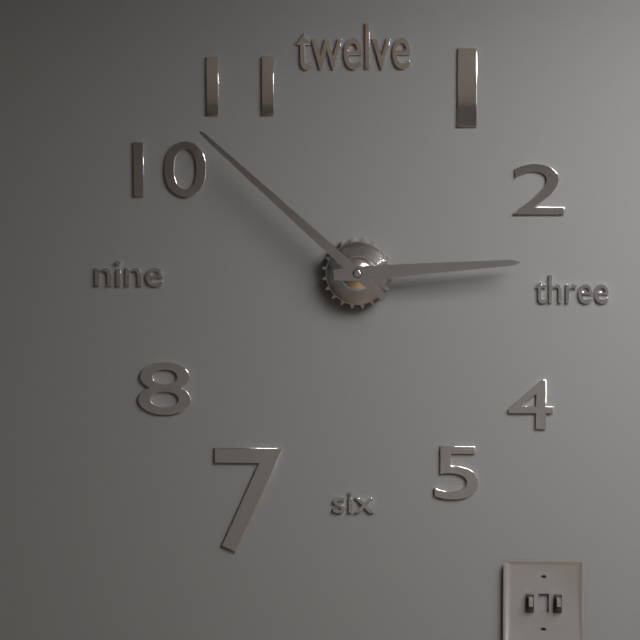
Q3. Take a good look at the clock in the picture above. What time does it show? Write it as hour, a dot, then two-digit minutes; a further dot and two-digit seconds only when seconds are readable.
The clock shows 2.52
